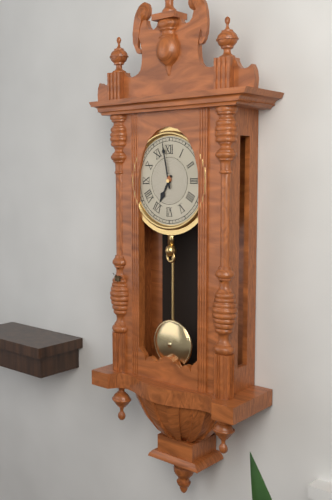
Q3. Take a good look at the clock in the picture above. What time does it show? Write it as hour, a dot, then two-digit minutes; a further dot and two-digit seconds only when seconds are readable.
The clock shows 6.58
